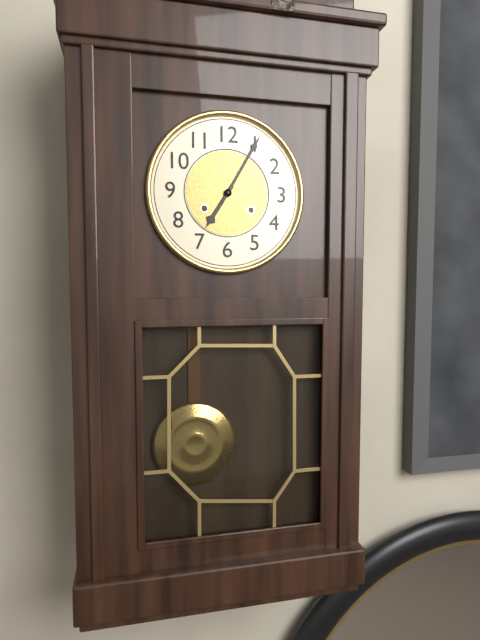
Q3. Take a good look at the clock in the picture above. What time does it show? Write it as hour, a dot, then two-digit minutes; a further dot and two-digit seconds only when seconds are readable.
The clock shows 7.05
